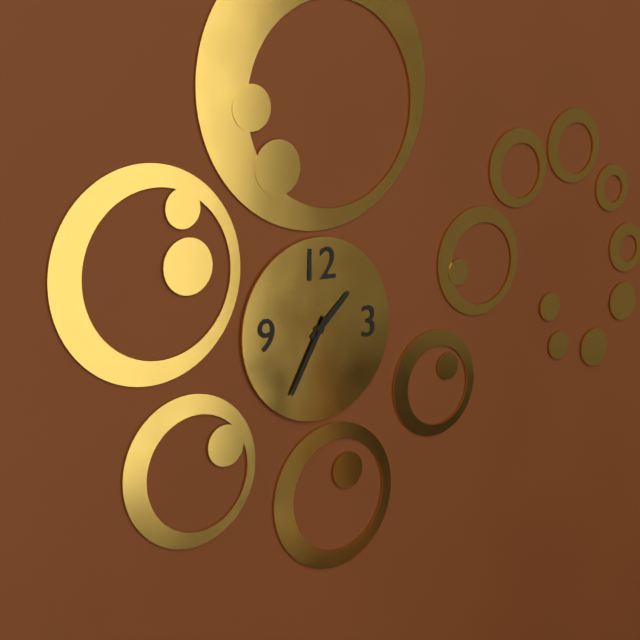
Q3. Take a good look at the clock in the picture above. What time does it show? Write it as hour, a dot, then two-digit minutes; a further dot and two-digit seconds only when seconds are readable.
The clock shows 1.35
